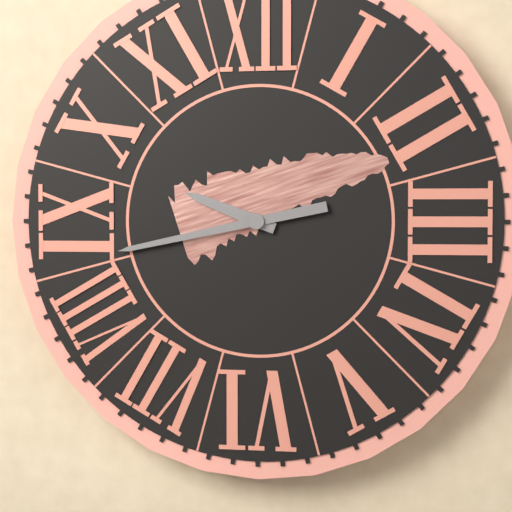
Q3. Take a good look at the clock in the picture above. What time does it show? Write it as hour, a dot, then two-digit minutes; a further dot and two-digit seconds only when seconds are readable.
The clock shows 9.43
